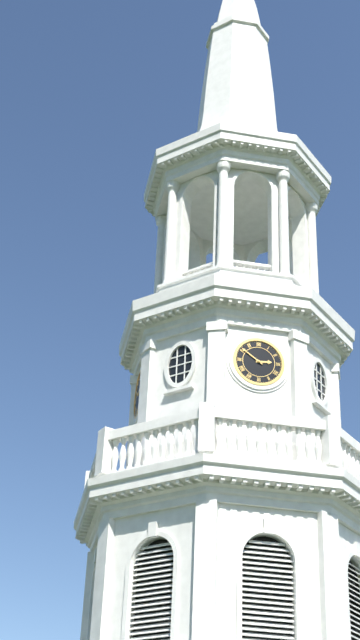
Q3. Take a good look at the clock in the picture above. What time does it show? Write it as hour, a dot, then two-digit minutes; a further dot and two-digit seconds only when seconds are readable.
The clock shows 2.51
